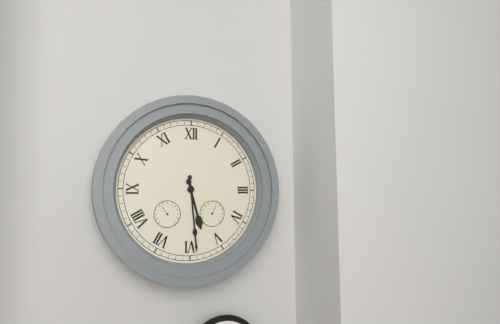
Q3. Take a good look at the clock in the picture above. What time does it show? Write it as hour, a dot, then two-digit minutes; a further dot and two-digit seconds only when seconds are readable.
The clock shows 5.29
